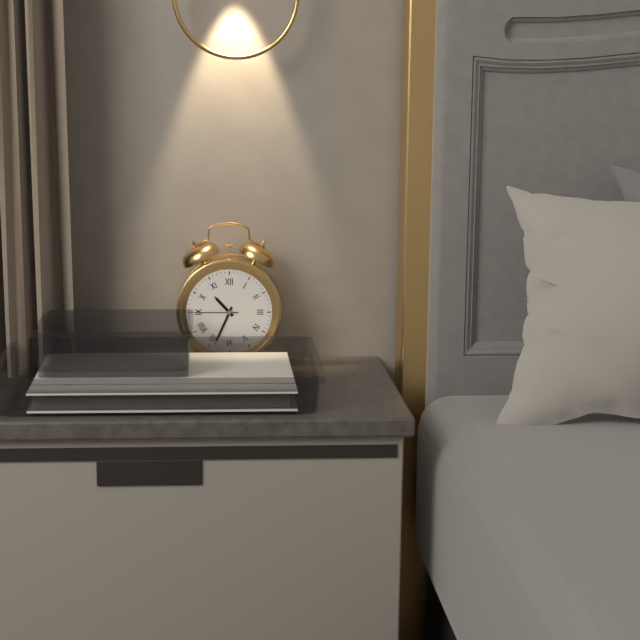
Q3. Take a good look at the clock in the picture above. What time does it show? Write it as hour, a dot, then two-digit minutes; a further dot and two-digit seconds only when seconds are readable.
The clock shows 10.34
